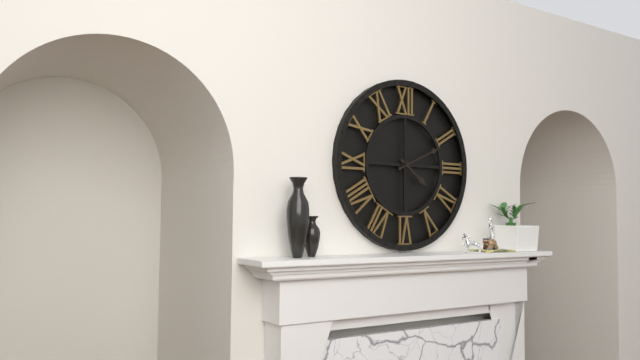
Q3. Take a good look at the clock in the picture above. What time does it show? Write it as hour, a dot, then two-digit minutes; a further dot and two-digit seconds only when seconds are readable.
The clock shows 4.11
